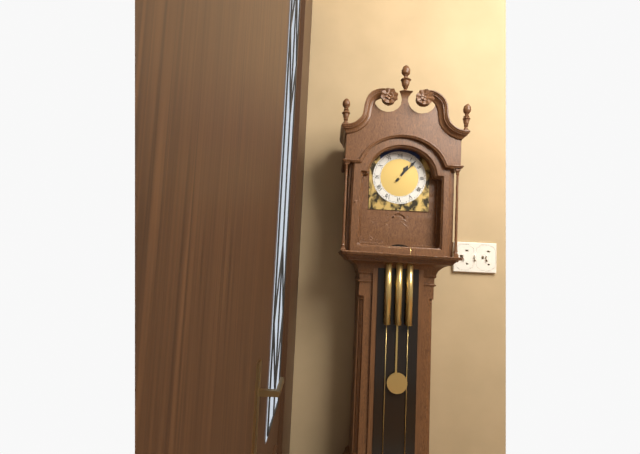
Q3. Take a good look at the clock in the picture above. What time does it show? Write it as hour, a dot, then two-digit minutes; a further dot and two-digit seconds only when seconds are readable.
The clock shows 1.07
